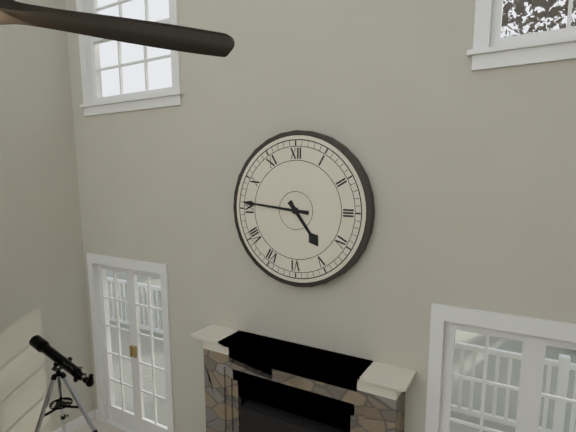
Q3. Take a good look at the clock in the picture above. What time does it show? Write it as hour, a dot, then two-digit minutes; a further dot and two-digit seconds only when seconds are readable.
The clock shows 4.46
